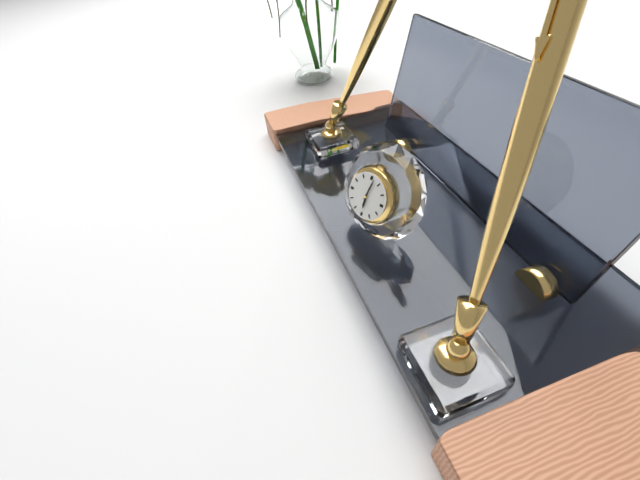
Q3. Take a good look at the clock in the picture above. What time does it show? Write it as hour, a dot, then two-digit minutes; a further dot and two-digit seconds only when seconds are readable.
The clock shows 6.02
